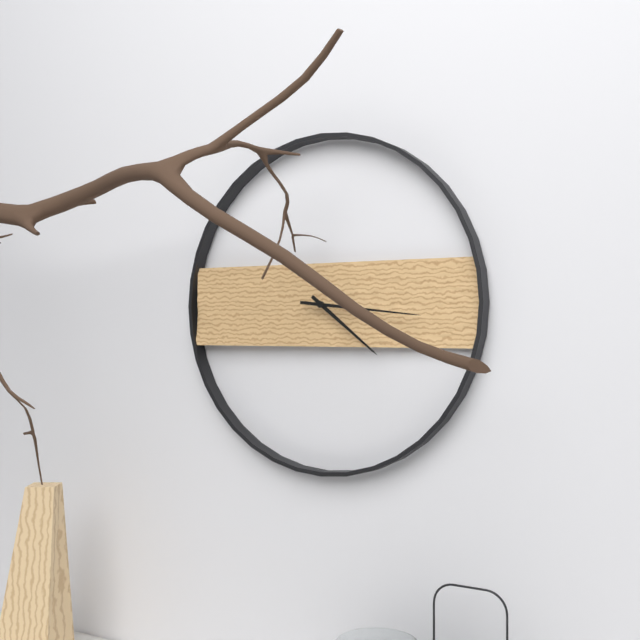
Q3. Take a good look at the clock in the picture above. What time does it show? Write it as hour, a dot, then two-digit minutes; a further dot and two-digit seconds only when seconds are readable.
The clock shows 4.16
